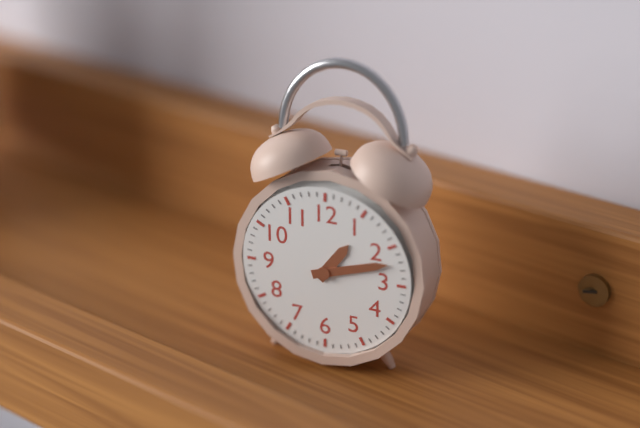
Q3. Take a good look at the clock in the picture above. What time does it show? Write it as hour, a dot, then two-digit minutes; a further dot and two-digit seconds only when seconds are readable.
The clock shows 1.12
